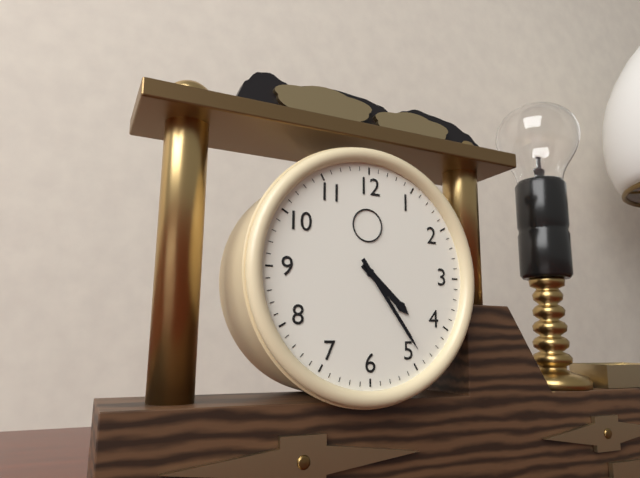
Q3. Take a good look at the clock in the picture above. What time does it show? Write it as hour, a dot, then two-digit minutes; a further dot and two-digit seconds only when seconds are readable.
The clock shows 4.24
